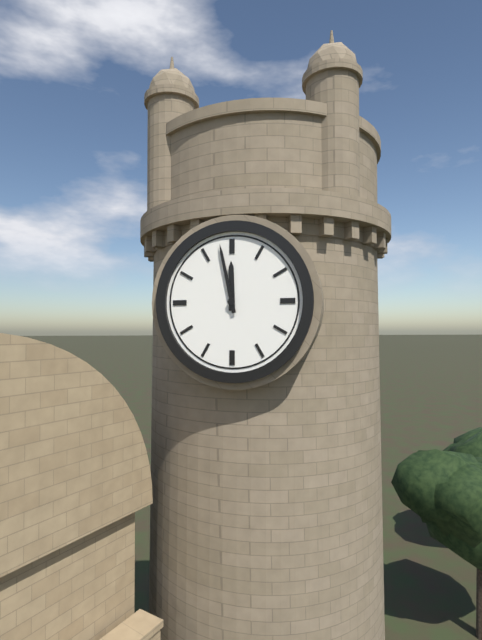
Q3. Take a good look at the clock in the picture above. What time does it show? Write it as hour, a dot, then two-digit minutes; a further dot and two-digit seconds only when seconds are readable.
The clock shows 11.58
